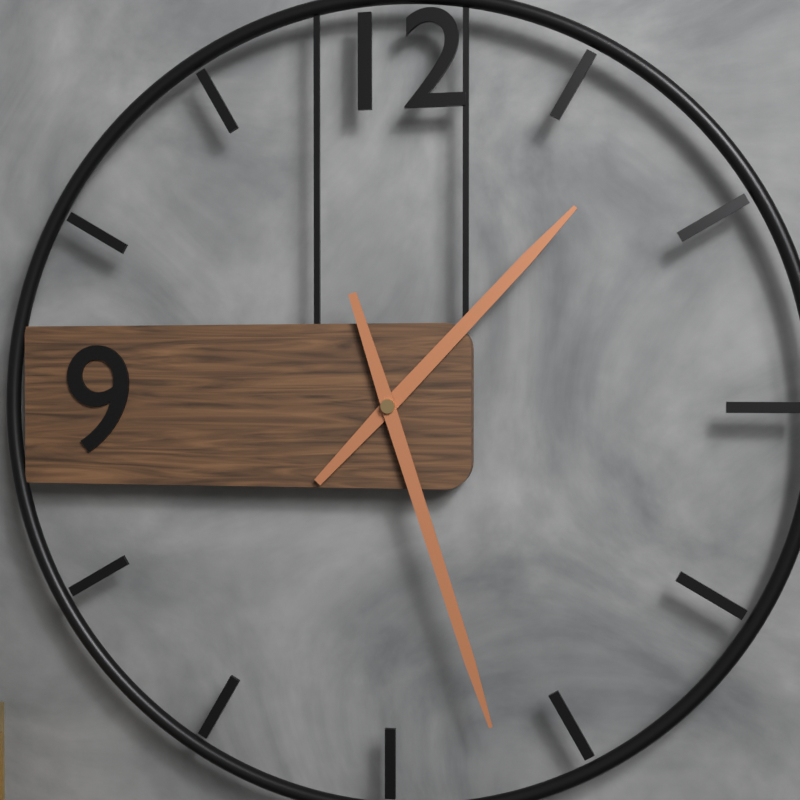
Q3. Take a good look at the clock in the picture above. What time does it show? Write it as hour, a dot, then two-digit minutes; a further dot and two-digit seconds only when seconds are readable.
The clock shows 1.27
